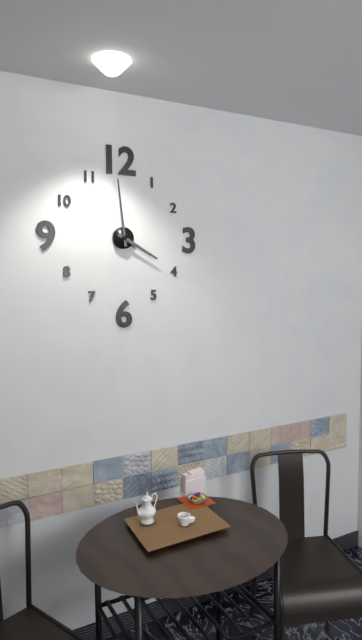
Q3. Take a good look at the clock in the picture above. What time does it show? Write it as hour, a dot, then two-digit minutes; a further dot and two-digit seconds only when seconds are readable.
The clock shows 3.59
